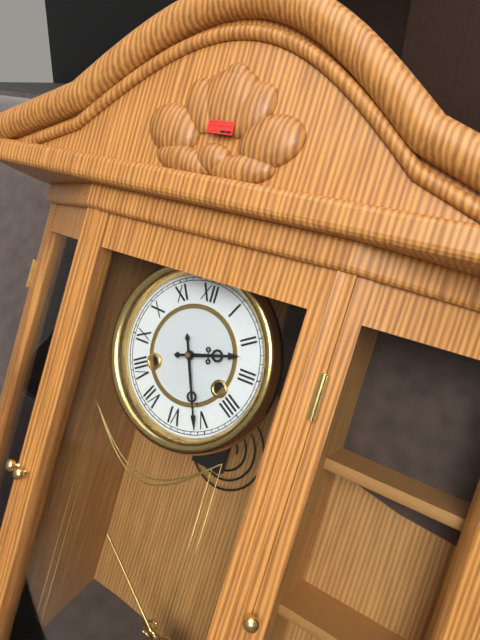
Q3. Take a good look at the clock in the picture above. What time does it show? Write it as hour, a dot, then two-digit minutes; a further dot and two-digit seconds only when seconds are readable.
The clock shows 2.26
